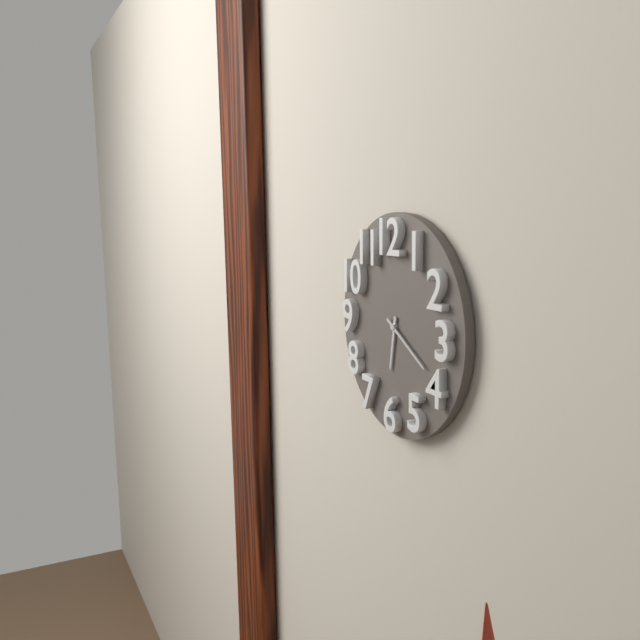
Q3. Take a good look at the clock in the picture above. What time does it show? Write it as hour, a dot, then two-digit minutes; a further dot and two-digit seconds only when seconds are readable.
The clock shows 6.20
